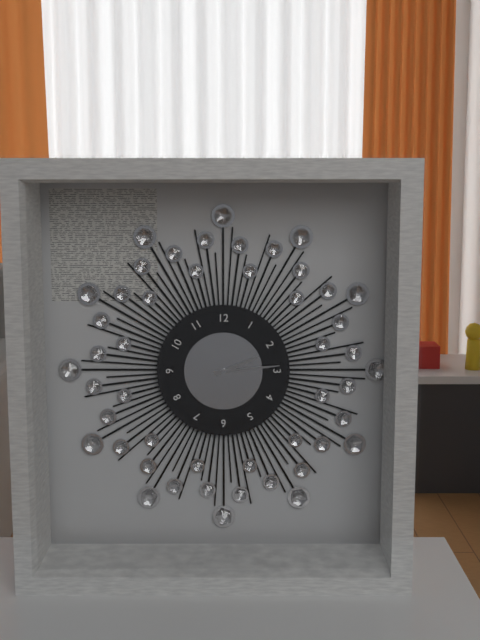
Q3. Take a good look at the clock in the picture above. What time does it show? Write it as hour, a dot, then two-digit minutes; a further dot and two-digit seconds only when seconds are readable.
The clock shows 2.14
